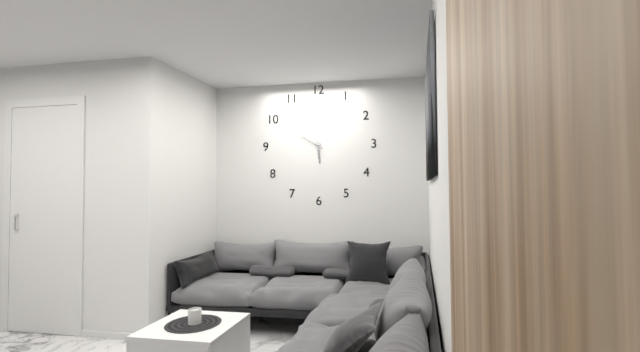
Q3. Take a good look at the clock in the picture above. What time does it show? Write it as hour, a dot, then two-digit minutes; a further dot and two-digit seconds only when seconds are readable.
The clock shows 5.50
